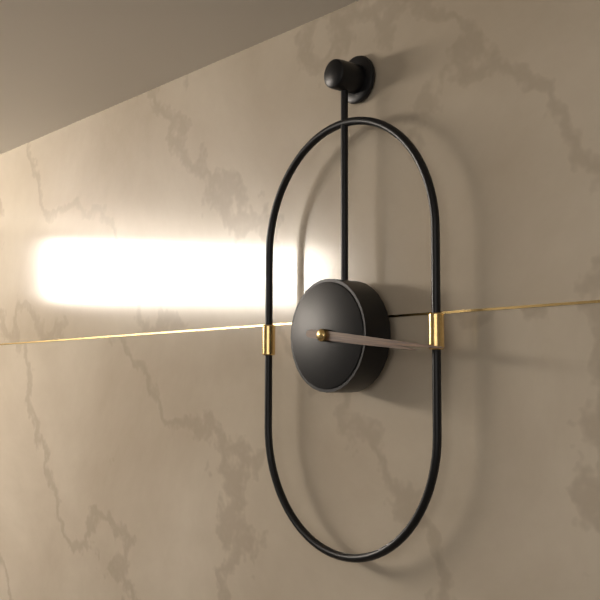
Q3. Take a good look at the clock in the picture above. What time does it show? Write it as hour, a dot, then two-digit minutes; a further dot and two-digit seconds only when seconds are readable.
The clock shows 3.16
